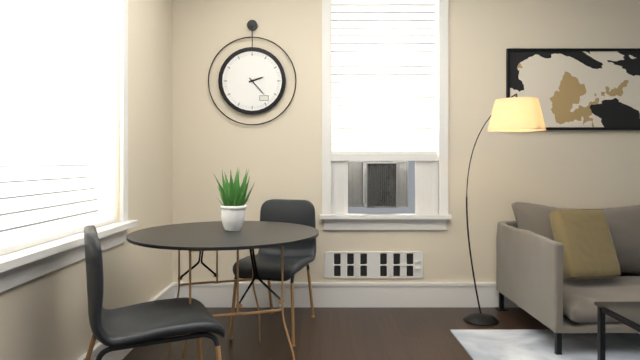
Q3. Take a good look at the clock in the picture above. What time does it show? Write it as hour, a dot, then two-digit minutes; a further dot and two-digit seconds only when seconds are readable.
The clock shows 2.23
